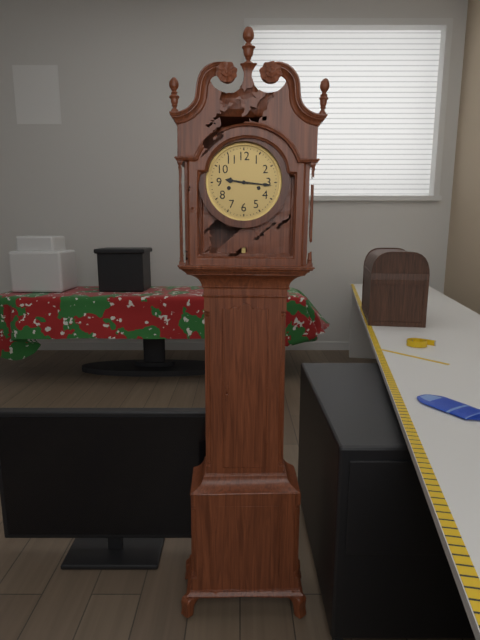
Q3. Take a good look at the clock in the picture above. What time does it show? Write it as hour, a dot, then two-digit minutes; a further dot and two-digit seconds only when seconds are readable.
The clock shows 9.16
